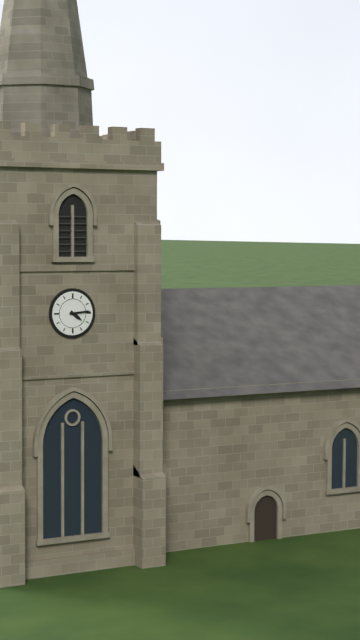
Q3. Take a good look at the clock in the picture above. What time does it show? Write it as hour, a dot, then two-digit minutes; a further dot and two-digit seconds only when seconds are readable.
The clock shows 4.14
